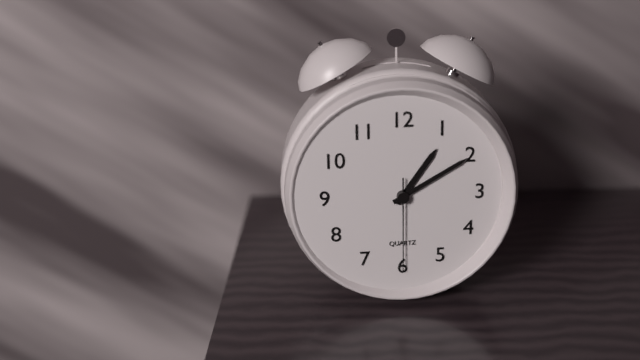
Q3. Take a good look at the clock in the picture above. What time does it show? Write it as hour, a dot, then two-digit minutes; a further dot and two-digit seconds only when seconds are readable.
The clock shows 1.10.30
